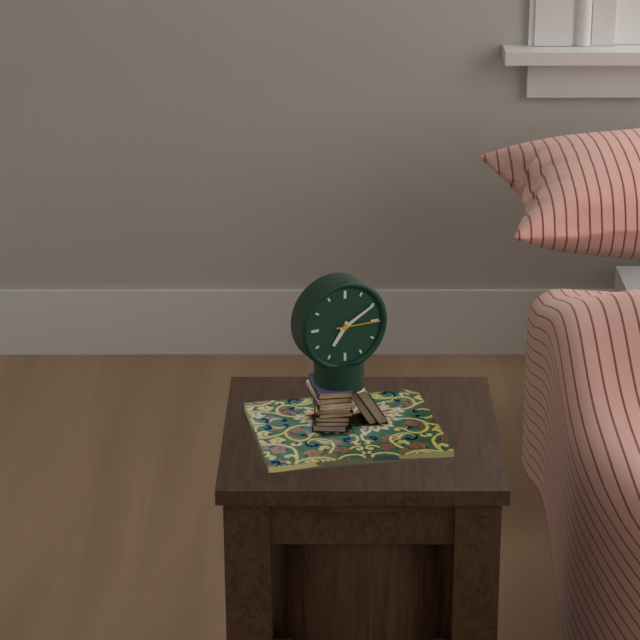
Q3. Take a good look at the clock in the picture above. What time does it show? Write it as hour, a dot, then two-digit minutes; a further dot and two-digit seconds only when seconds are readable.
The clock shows 7.10.15
